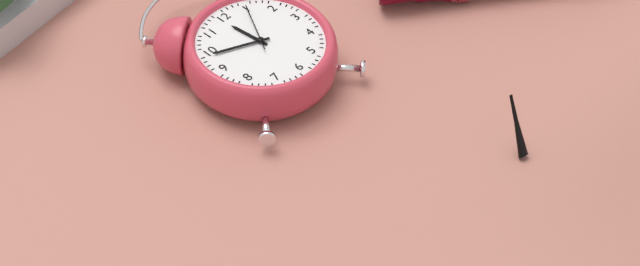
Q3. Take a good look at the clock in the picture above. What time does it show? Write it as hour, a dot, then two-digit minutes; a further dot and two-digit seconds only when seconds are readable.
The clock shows 11.49.05
